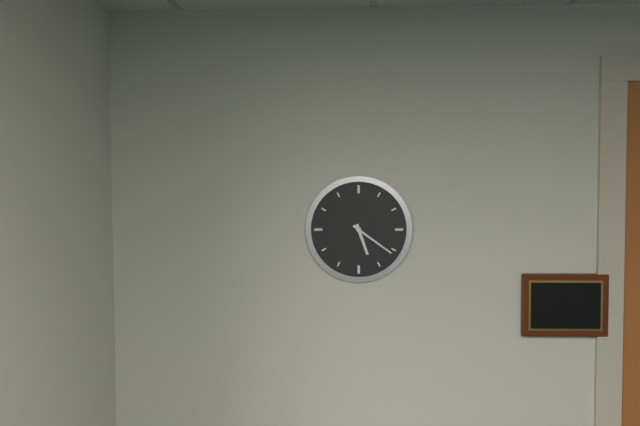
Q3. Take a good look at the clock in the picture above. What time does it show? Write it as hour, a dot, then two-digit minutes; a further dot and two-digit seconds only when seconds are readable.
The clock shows 5.21
